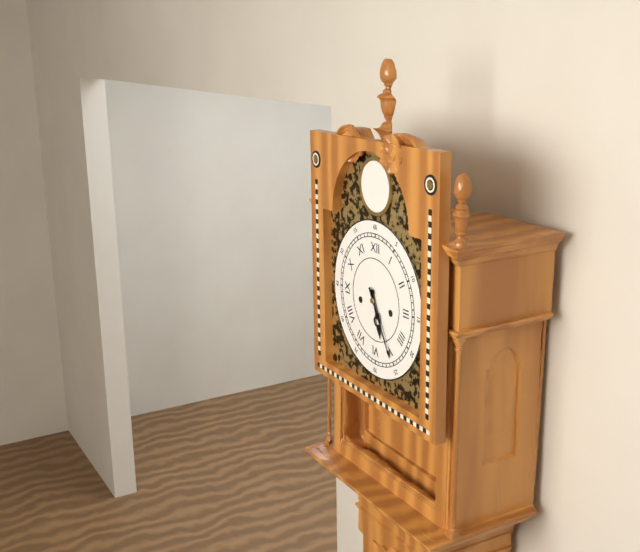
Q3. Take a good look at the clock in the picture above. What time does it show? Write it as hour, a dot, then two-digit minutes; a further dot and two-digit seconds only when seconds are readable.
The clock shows 5.25
